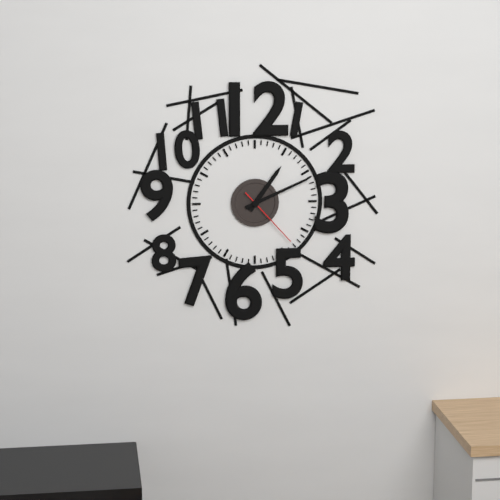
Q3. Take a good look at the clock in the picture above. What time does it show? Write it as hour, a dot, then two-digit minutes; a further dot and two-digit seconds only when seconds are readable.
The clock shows 1.11.23
